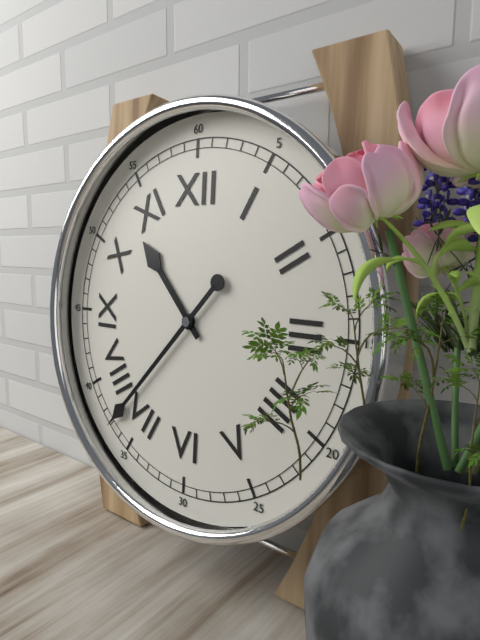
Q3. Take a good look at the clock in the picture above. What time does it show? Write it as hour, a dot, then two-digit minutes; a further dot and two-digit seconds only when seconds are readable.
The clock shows 10.37
